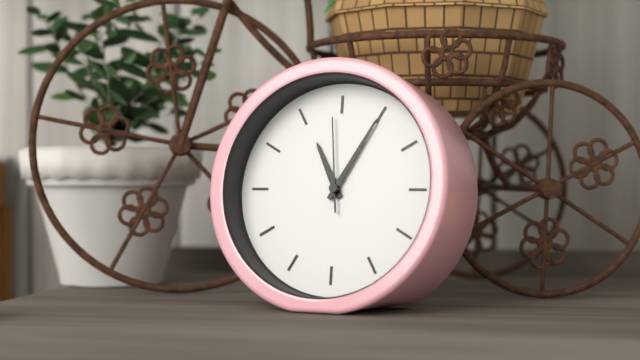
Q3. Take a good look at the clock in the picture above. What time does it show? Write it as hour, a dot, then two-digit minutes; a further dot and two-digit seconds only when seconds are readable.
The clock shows 11.05.59
